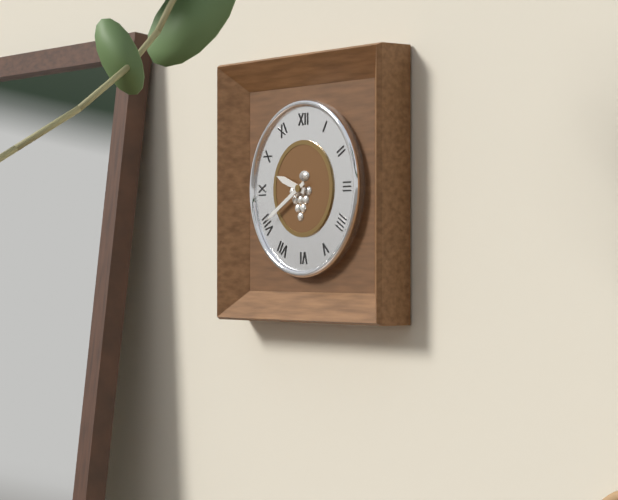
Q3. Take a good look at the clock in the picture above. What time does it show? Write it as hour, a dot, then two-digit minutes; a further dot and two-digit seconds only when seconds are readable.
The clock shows 9.40
